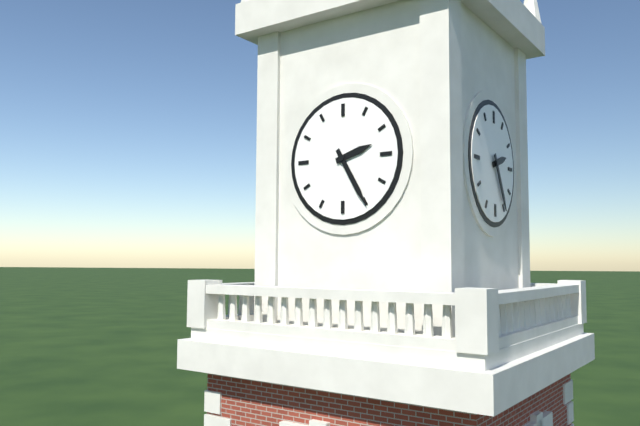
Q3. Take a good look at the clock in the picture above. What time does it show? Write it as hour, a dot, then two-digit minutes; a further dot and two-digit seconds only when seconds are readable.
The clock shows 2.25
